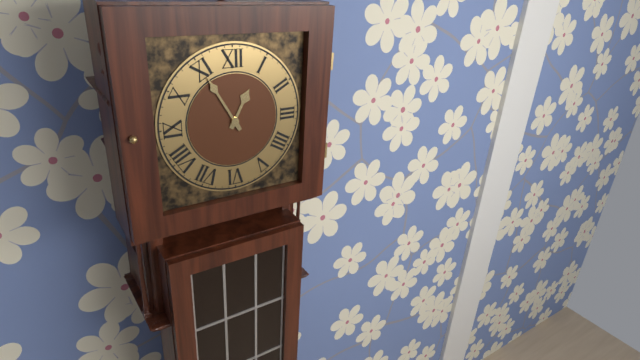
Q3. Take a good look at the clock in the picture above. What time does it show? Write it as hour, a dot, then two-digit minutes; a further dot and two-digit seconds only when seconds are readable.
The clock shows 12.55
